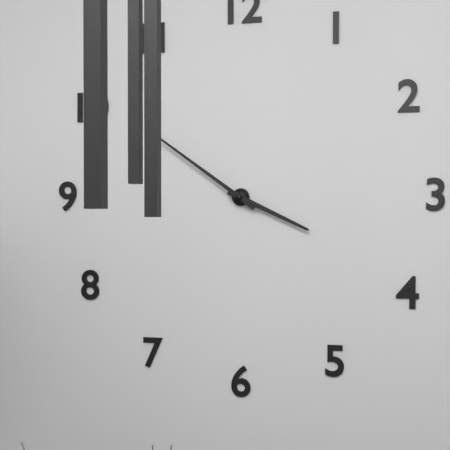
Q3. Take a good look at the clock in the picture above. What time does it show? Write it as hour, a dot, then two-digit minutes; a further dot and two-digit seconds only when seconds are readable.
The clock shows 3.51
